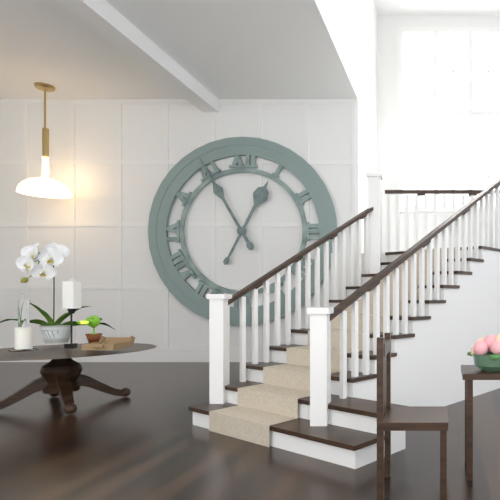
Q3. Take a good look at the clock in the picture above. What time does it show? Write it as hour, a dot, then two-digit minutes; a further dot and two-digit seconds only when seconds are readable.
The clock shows 12.55
